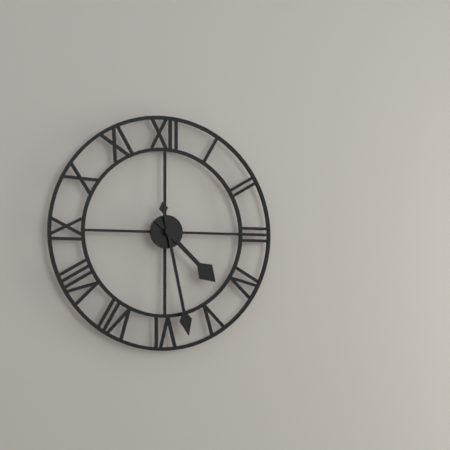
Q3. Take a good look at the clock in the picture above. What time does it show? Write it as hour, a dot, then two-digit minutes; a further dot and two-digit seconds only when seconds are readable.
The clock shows 4.28
